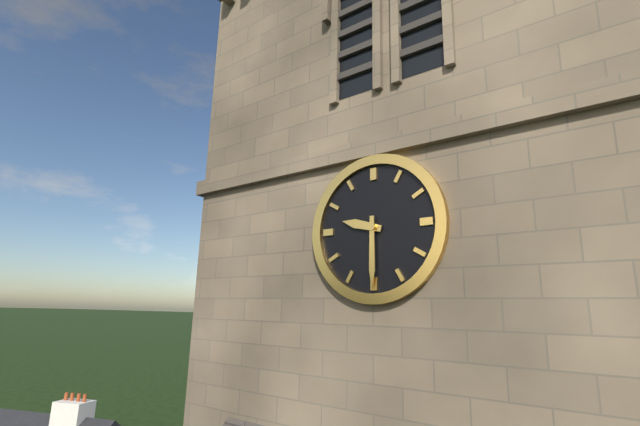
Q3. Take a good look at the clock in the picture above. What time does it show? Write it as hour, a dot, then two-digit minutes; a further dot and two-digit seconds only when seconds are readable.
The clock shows 9.30
